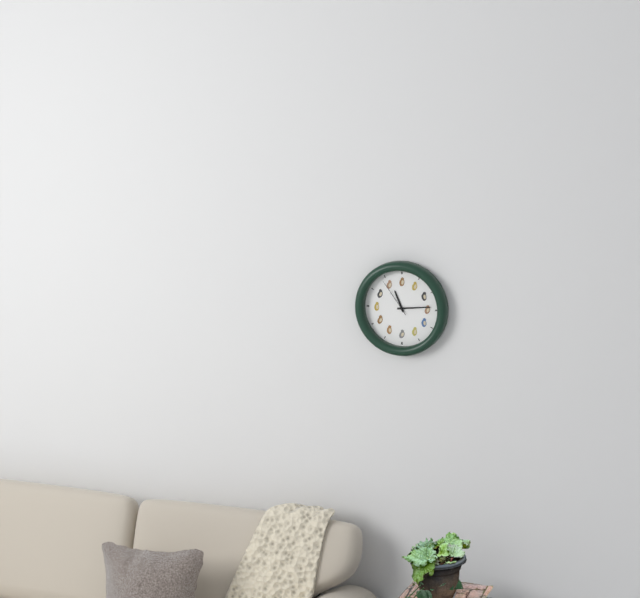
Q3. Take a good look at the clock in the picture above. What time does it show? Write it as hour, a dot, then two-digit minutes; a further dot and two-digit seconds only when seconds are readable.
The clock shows 11.14
